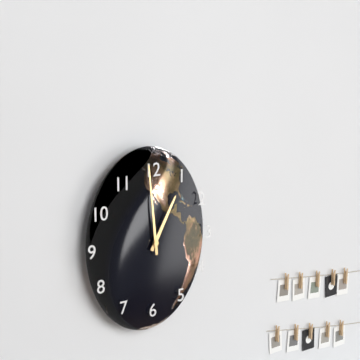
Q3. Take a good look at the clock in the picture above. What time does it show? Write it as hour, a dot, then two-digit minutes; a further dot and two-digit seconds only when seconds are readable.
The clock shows 12.59
